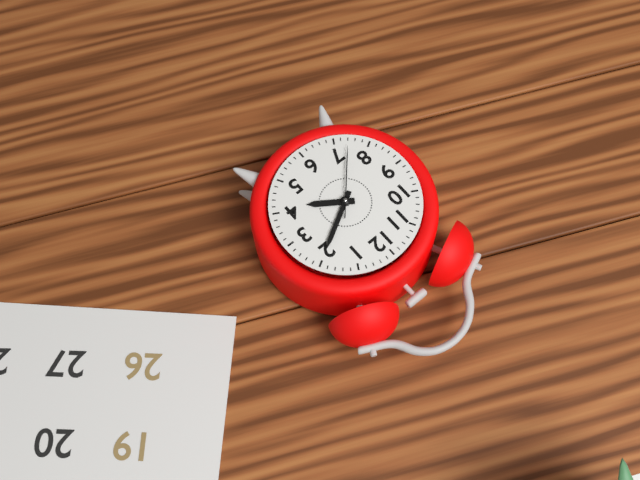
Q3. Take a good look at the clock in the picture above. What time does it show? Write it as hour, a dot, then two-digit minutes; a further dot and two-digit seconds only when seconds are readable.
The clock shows 4.10.37
